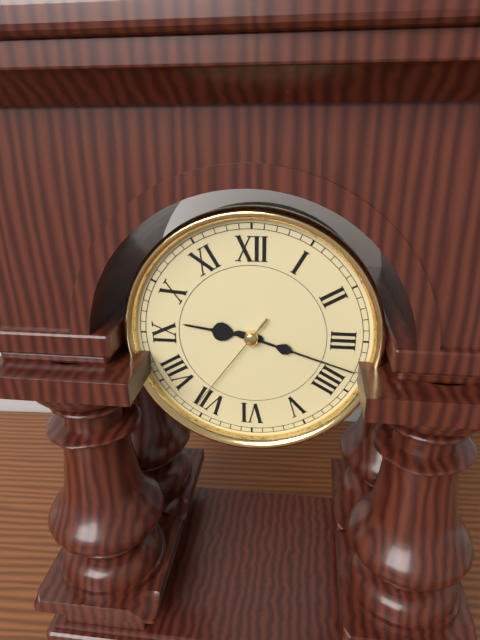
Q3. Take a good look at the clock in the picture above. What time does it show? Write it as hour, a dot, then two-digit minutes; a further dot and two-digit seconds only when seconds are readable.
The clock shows 9.18.36
